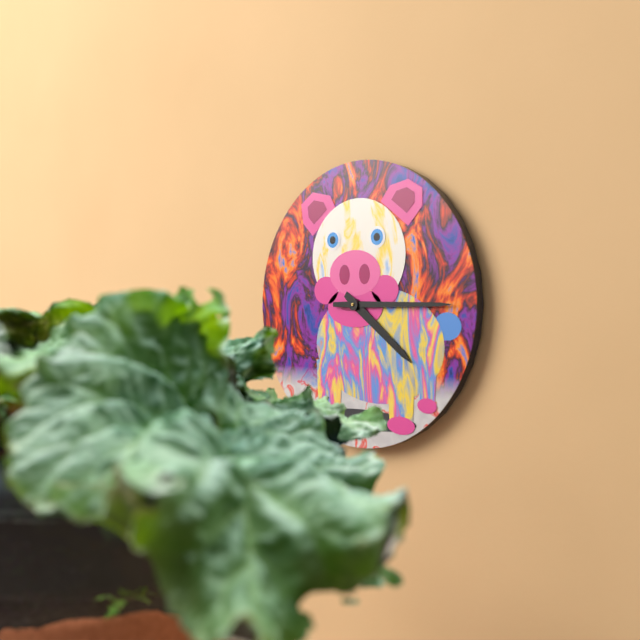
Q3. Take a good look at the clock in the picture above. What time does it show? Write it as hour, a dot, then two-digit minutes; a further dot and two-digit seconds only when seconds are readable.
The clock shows 4.15
